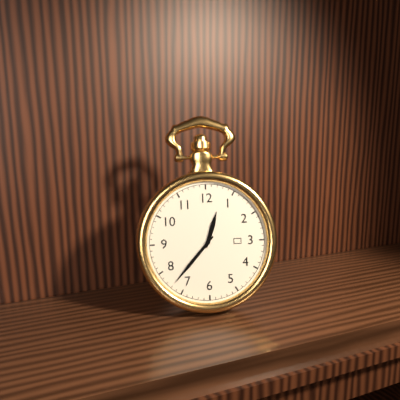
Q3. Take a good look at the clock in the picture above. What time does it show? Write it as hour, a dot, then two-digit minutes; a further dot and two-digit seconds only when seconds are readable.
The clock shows 12.37
